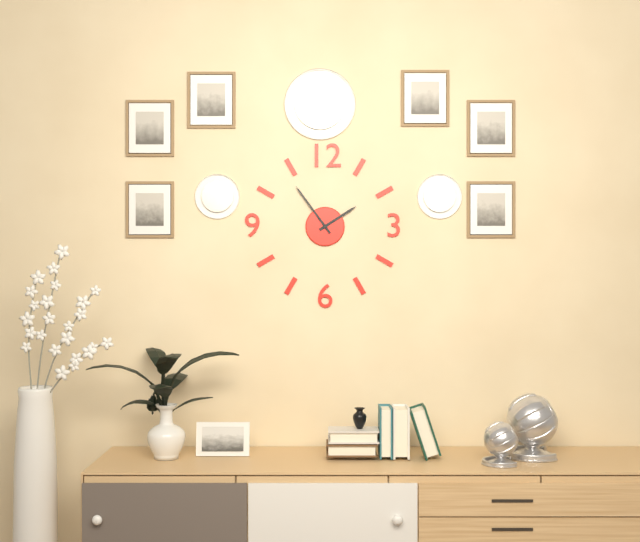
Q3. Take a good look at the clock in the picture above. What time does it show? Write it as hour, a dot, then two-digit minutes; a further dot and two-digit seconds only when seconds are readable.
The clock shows 1.54
